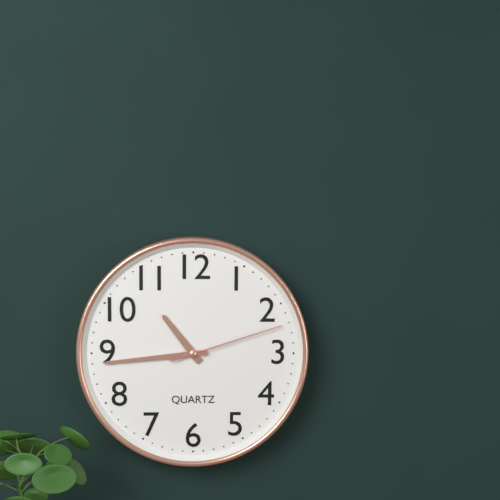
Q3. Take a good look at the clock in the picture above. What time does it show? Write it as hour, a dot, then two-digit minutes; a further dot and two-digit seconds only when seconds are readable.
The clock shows 10.44.12
